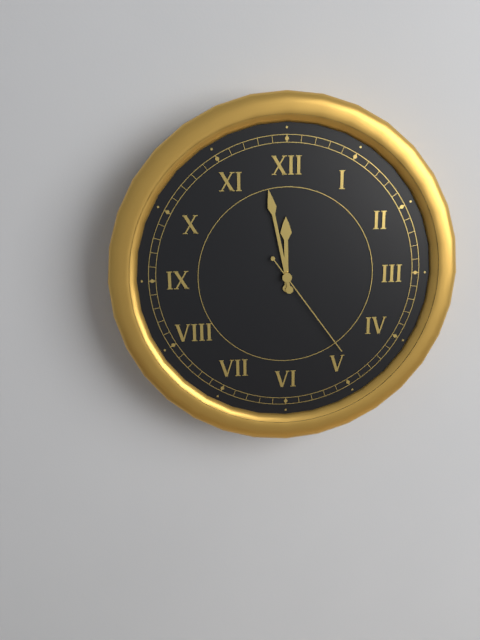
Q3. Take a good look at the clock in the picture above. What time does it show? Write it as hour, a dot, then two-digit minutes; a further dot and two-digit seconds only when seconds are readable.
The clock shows 11.58.24
